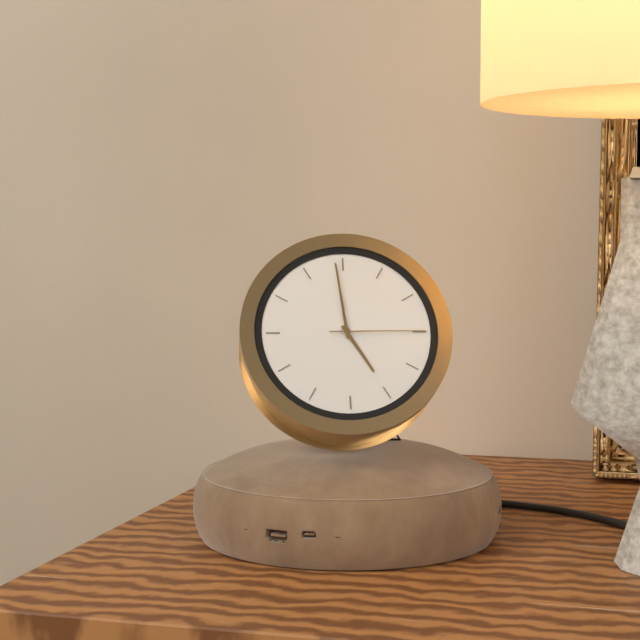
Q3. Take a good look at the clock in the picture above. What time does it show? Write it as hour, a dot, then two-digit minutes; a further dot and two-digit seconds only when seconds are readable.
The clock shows 4.59.15
